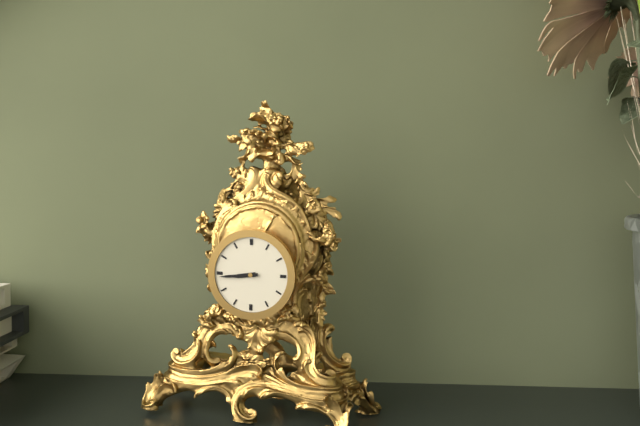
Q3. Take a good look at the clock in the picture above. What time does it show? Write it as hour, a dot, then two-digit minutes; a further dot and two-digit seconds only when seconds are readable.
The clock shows 8.44
